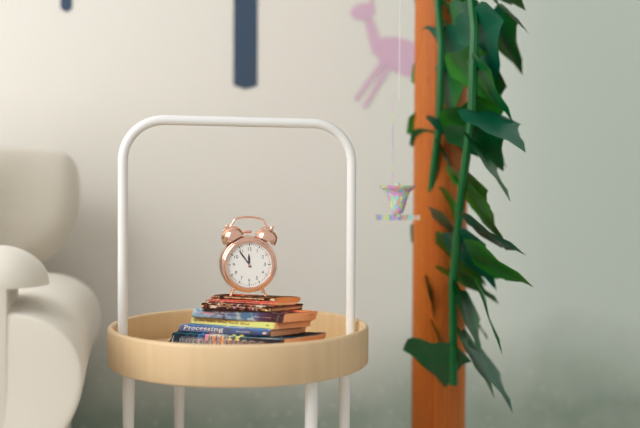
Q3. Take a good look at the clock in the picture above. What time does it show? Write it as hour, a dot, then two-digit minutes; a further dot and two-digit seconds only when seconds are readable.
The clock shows 11.54
